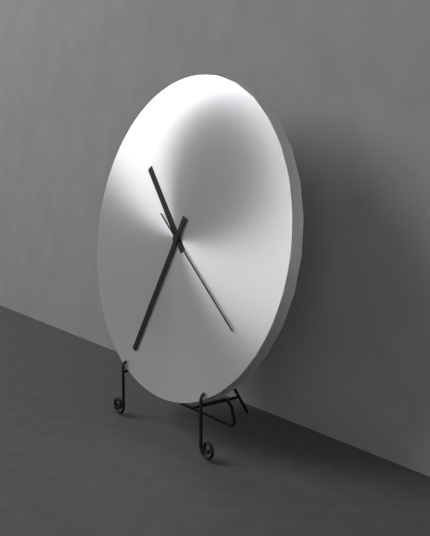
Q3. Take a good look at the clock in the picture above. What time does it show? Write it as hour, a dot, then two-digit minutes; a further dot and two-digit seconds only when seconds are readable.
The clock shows 10.34.21
